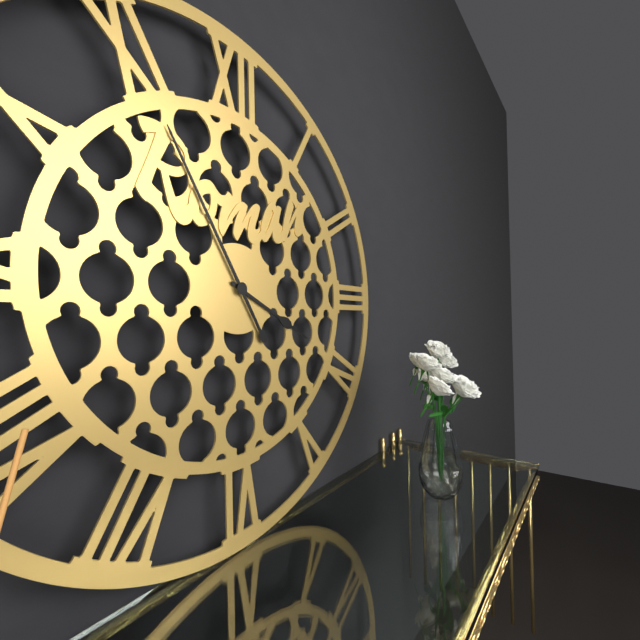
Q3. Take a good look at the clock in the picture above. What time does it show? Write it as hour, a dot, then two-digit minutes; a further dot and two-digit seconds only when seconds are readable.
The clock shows 3.55
